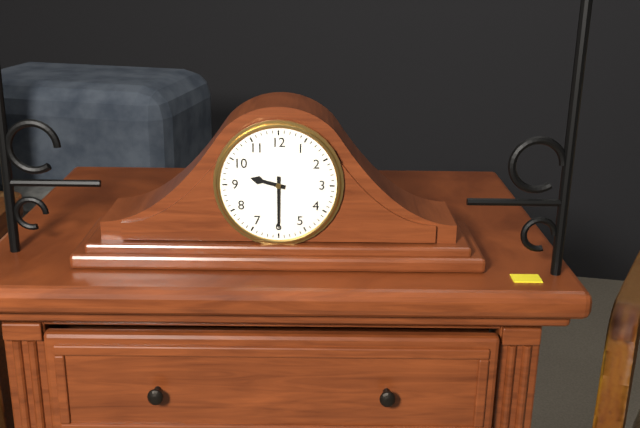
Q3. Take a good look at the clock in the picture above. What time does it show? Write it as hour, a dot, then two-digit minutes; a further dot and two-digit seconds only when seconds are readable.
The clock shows 9.30
